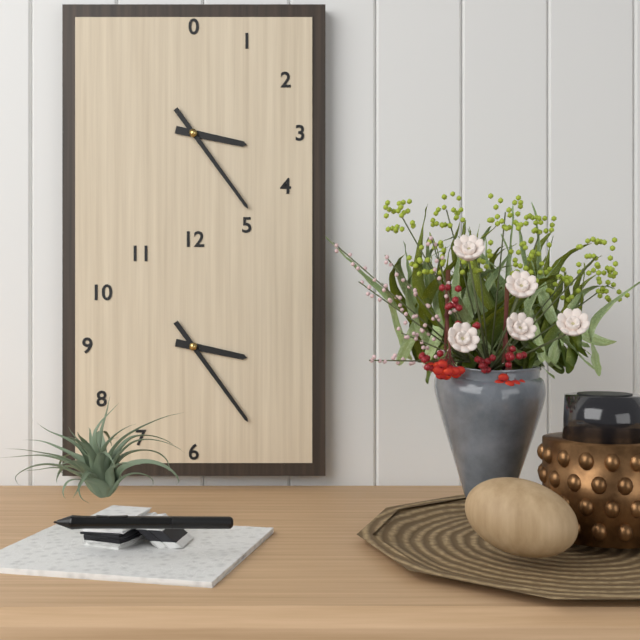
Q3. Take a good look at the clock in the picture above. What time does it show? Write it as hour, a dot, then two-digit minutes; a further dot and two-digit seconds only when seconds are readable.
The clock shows 3.24
